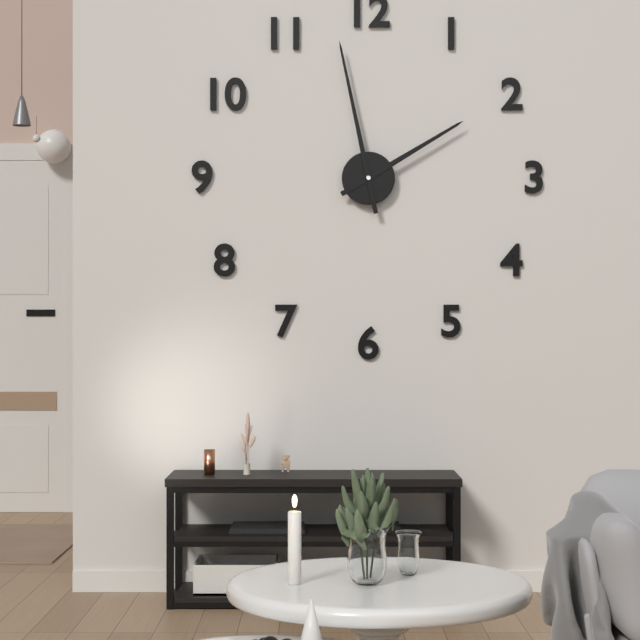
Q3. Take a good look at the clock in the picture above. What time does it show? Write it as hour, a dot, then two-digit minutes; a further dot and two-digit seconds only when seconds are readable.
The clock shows 1.58
